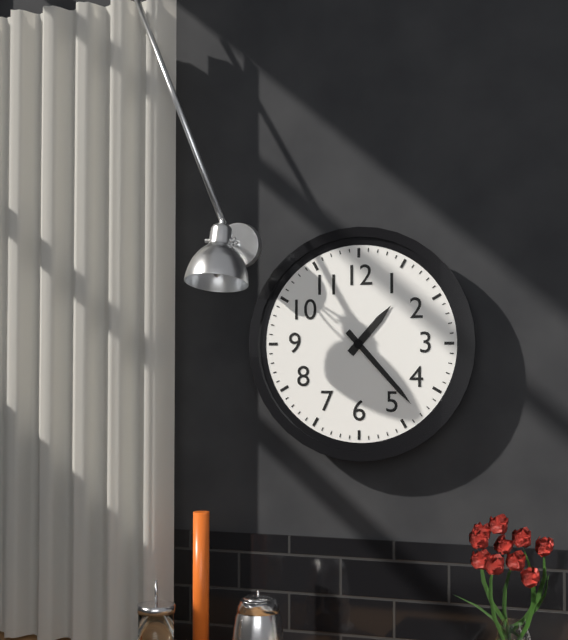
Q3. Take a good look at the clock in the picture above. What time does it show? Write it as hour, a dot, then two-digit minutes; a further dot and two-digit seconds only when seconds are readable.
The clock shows 1.23
